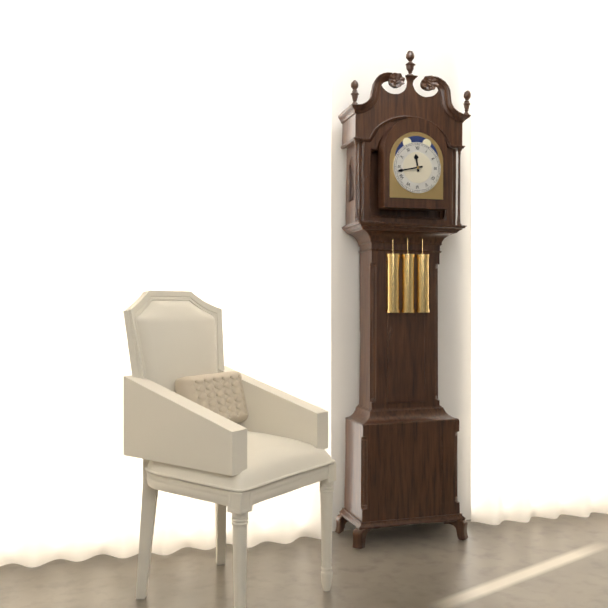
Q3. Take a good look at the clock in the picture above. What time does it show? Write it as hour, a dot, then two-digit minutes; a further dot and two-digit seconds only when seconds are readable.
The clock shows 11.43
